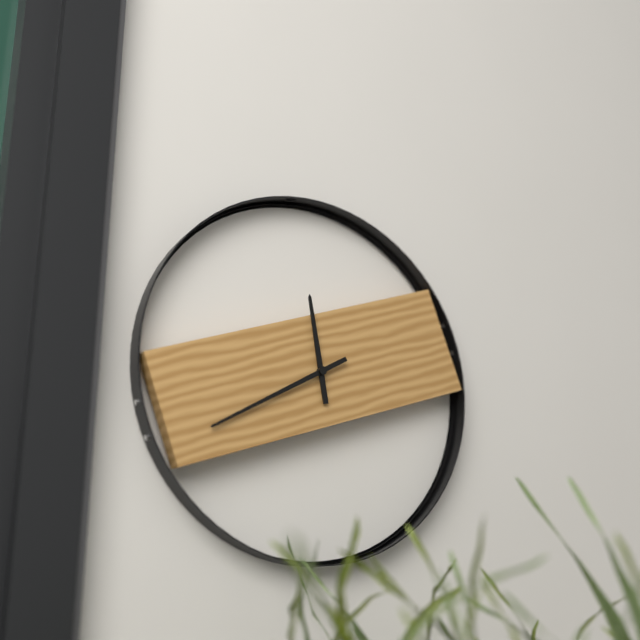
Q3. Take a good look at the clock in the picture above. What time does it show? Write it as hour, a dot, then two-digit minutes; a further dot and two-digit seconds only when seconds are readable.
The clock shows 11.40
